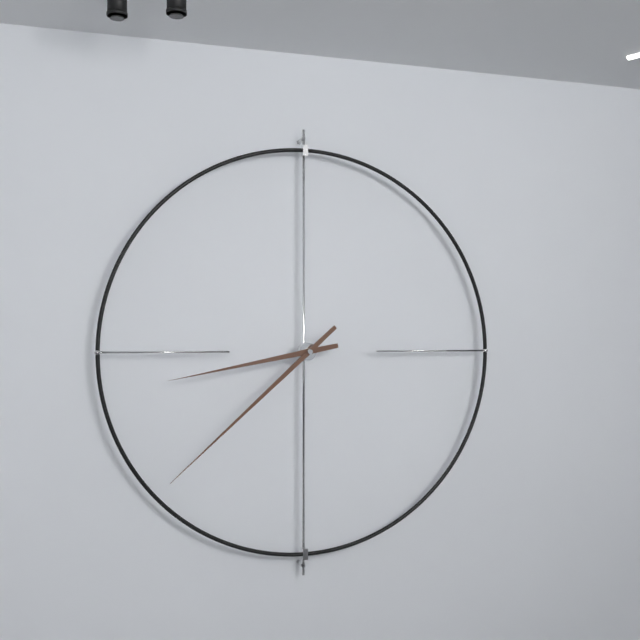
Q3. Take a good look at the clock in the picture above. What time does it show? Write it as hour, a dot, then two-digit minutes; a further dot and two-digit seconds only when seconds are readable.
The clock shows 8.38
